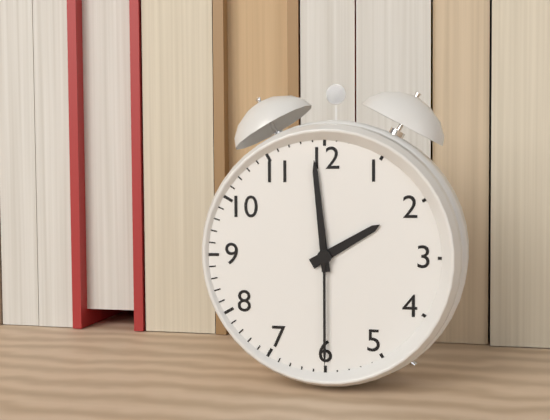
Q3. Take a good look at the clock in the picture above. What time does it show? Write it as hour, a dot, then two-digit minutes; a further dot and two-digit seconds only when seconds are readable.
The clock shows 1.59.30
